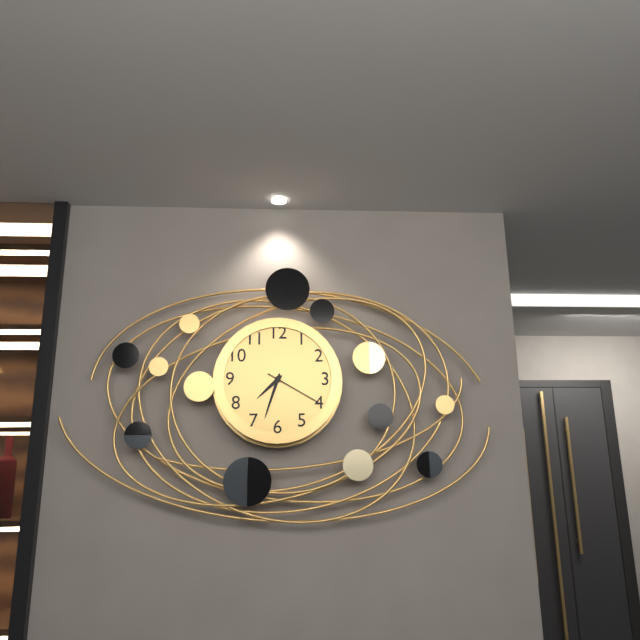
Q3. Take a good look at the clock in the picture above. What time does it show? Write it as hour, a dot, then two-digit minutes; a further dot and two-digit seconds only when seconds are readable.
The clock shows 7.33.20
